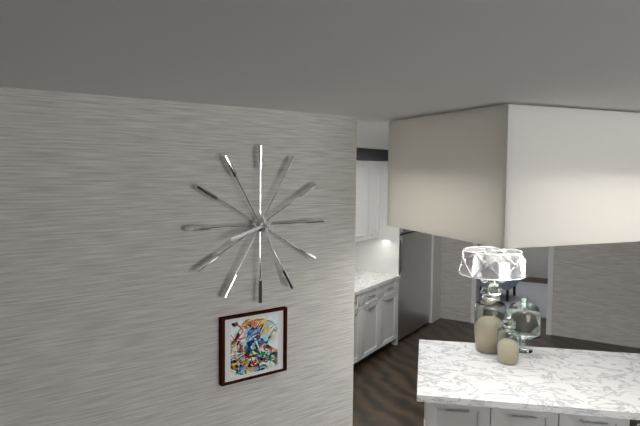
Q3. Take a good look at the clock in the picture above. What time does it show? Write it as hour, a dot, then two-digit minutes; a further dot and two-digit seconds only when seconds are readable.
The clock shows 8.27
